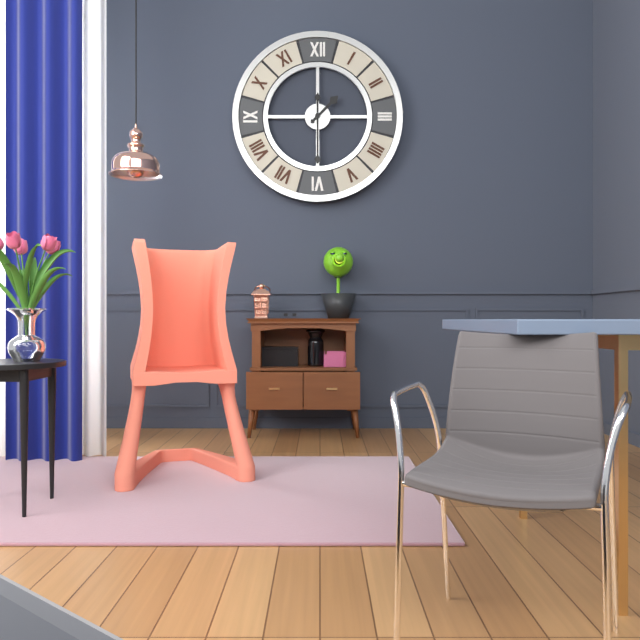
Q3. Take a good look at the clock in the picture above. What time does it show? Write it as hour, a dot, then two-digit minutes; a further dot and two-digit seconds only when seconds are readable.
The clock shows 1.30
